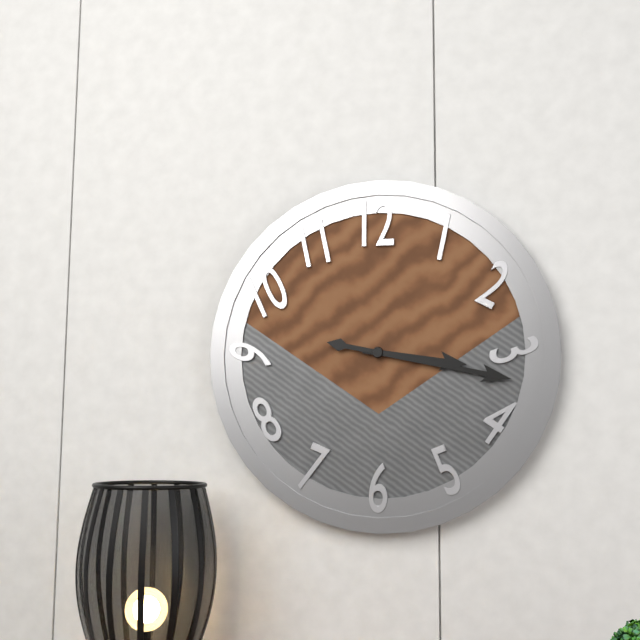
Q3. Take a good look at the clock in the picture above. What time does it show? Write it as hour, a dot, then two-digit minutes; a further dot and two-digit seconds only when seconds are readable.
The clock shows 3.17
